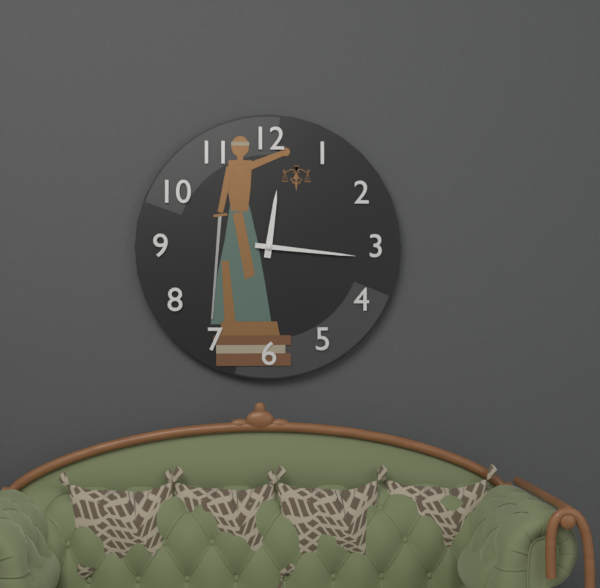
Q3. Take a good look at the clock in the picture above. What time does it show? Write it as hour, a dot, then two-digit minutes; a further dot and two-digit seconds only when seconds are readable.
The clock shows 12.16
